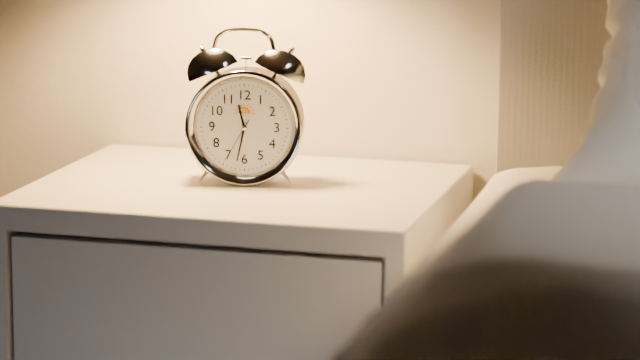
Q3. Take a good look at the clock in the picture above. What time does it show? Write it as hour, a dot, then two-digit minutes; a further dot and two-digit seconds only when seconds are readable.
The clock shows 11.32
